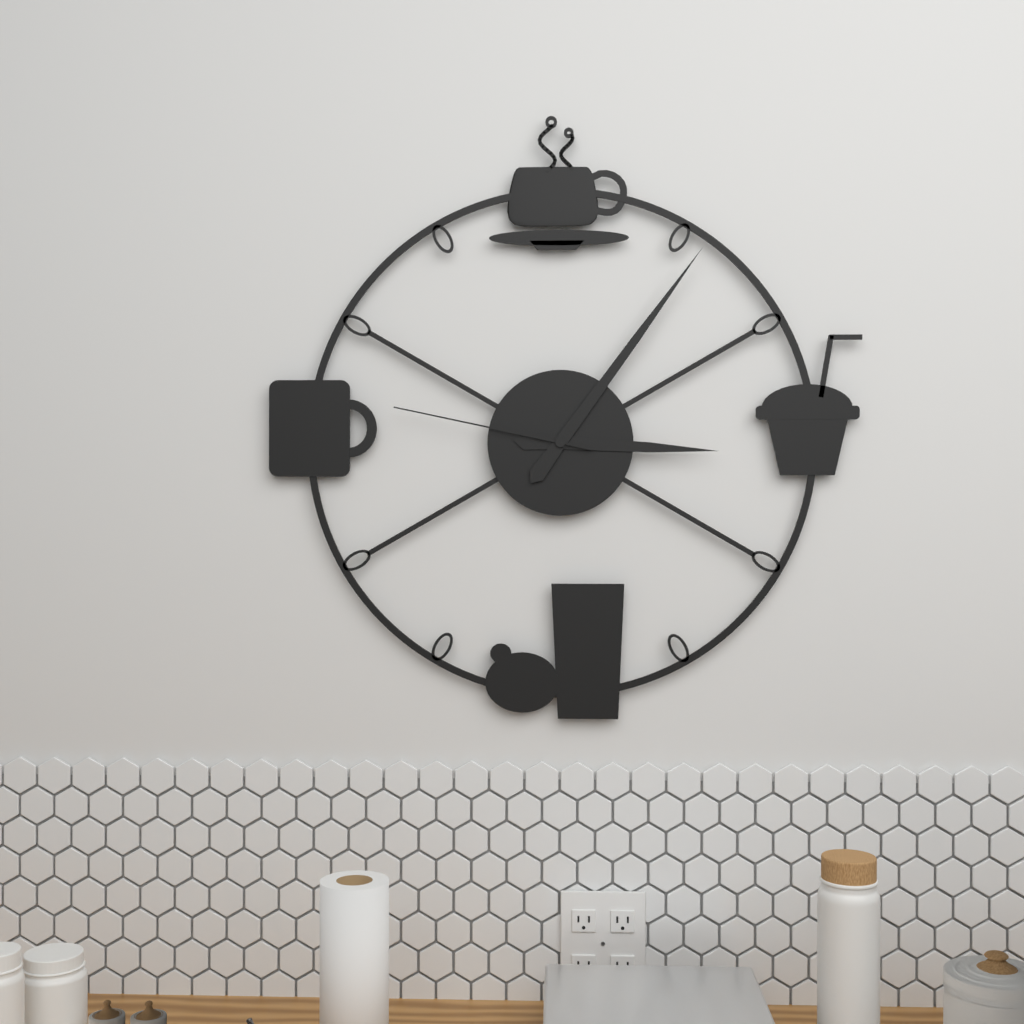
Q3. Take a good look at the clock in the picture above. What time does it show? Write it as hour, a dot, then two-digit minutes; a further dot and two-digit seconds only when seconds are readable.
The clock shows 3.06.47
